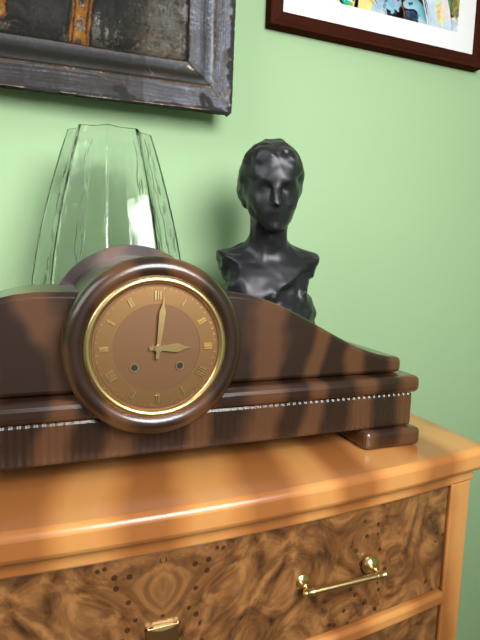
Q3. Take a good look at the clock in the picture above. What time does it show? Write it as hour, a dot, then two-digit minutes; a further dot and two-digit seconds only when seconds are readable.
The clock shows 3.01
